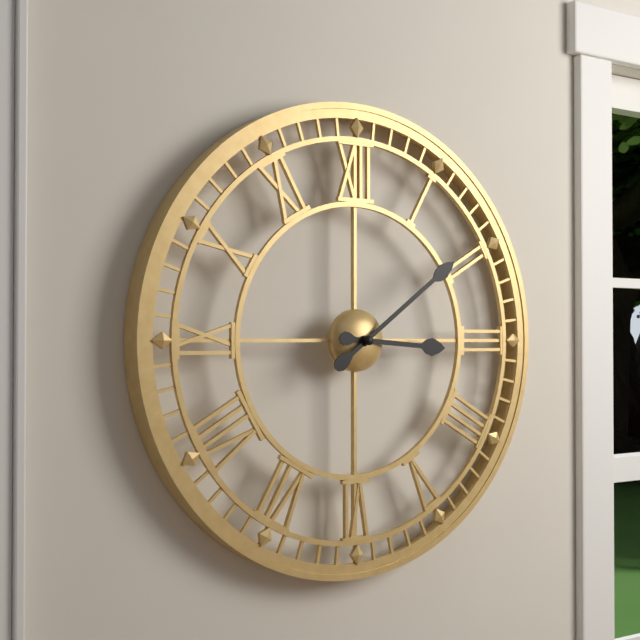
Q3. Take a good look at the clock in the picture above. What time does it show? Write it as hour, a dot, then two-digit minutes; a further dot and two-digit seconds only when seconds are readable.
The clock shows 3.09
